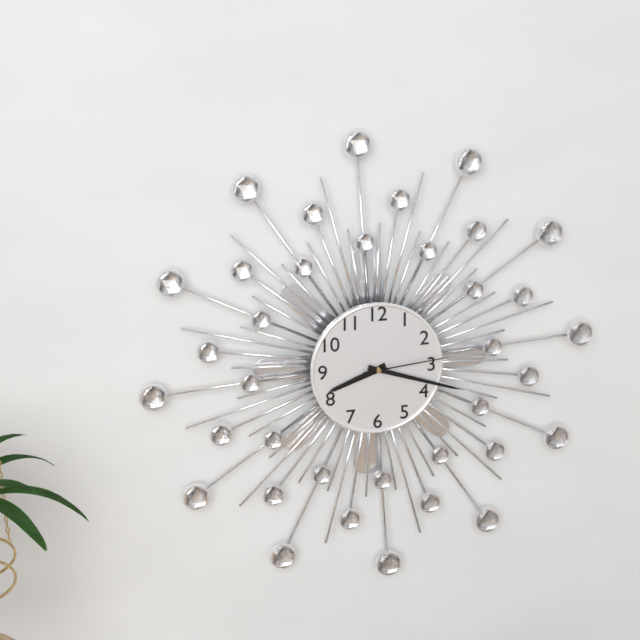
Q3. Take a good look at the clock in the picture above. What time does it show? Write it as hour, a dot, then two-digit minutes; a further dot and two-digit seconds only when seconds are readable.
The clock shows 8.18.14
